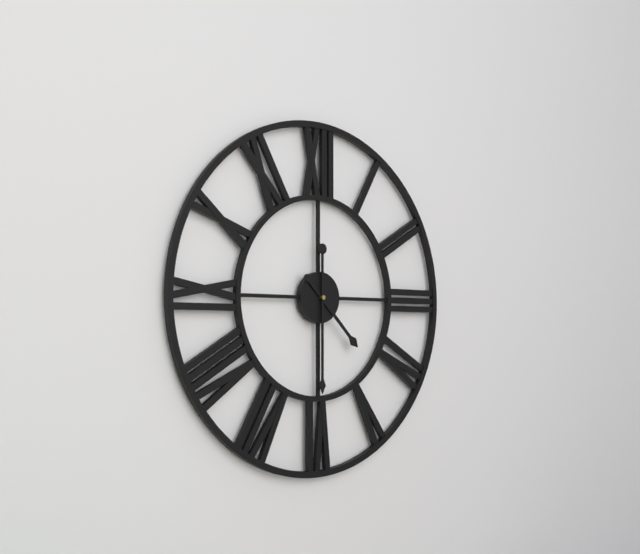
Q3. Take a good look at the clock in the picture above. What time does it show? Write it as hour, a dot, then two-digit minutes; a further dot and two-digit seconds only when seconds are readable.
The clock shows 4.30
